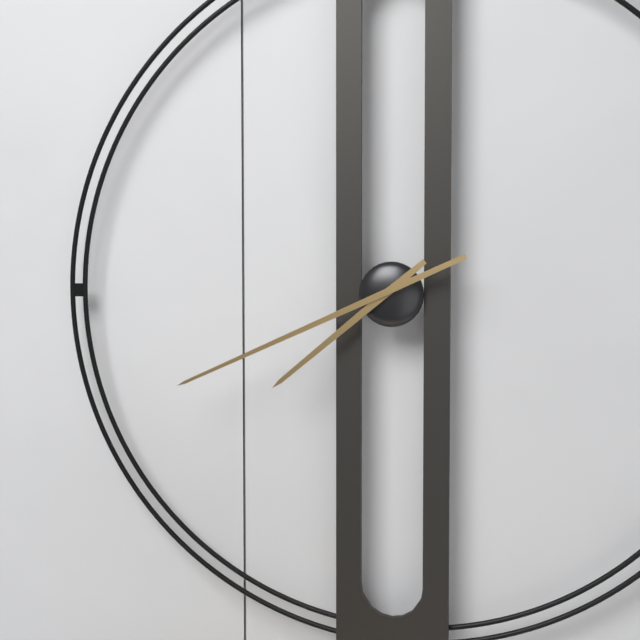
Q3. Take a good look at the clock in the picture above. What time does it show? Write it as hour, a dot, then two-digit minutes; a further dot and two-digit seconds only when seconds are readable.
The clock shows 7.41
